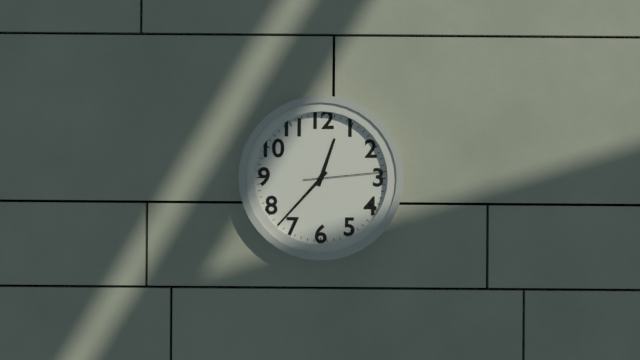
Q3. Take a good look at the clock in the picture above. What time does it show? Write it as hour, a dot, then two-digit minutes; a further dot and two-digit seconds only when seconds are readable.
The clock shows 12.37.14
